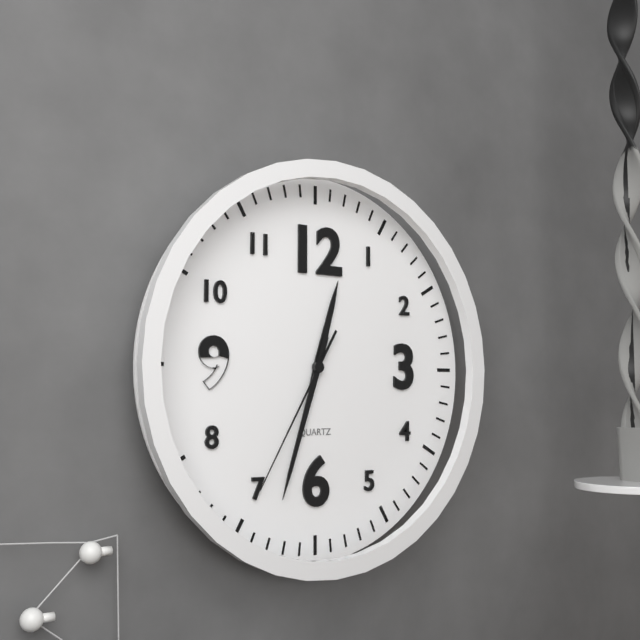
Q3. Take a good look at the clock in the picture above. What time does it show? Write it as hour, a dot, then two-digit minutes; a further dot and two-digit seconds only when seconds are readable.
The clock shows 12.33.35
